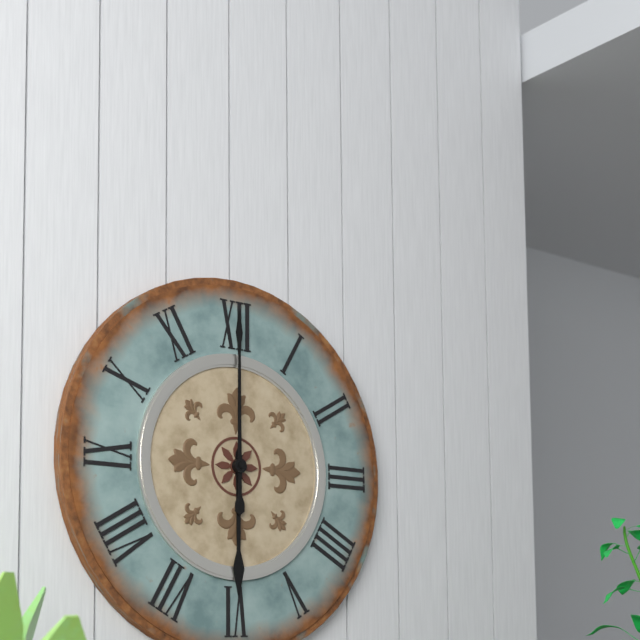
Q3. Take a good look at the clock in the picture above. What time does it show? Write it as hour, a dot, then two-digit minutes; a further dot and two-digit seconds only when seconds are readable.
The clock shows 6.00
